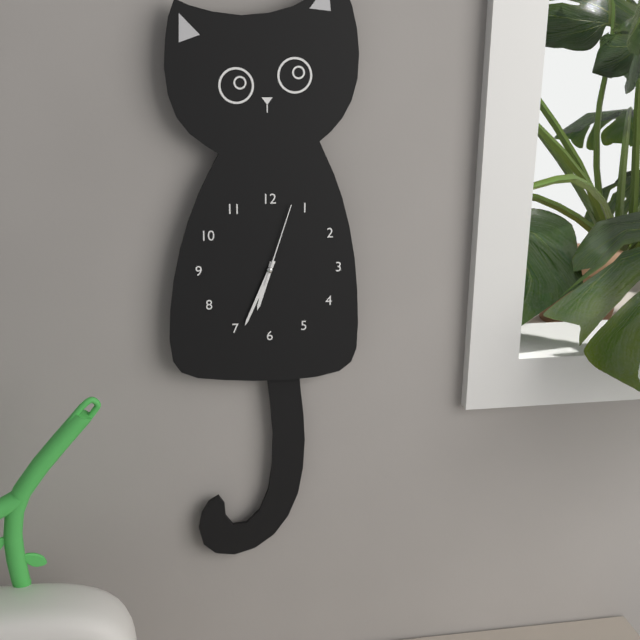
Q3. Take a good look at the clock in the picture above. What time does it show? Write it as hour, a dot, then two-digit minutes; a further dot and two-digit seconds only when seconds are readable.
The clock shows 6.34.03
